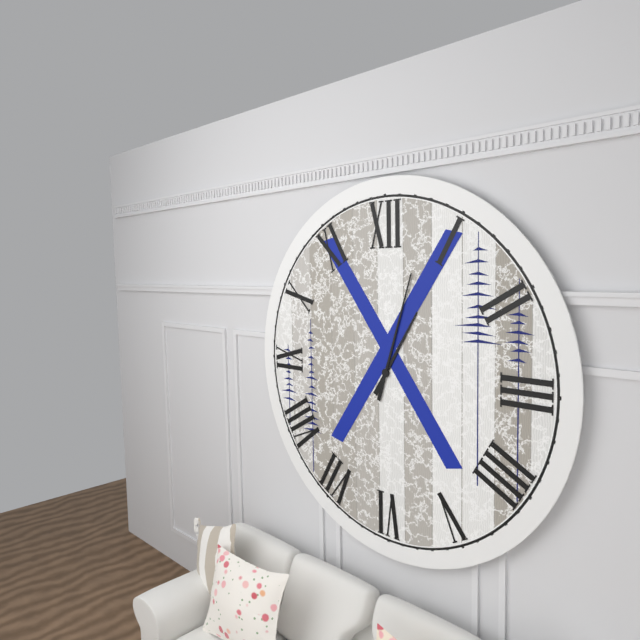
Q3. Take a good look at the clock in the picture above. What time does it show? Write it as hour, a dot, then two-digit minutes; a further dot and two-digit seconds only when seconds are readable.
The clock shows 1.03
